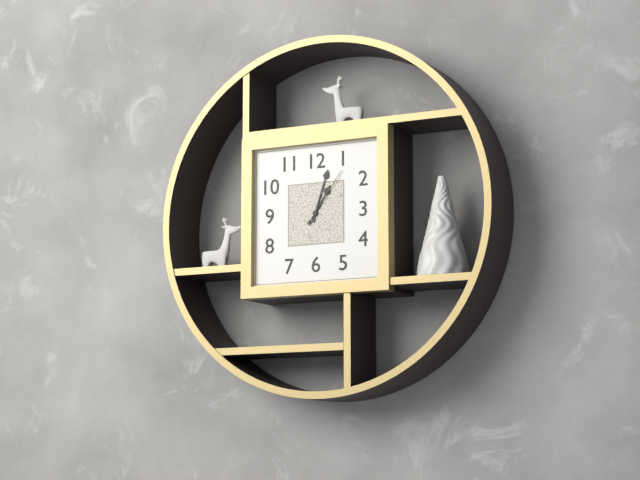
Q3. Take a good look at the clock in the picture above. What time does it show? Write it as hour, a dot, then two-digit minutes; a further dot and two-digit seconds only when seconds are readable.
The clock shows 1.03.06
